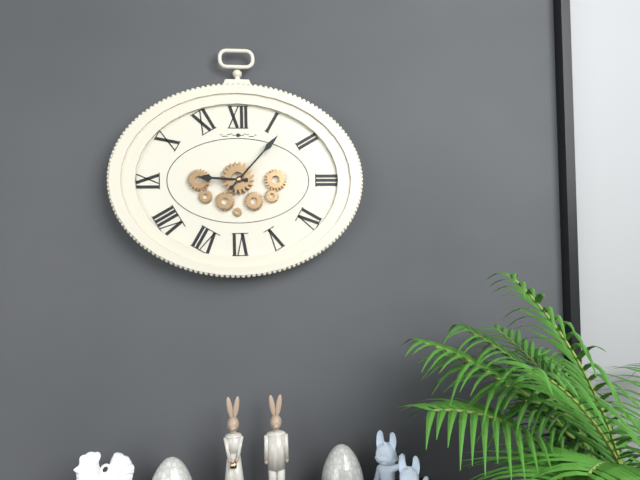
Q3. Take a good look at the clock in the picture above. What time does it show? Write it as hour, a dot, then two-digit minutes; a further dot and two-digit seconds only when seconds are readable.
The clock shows 9.07
